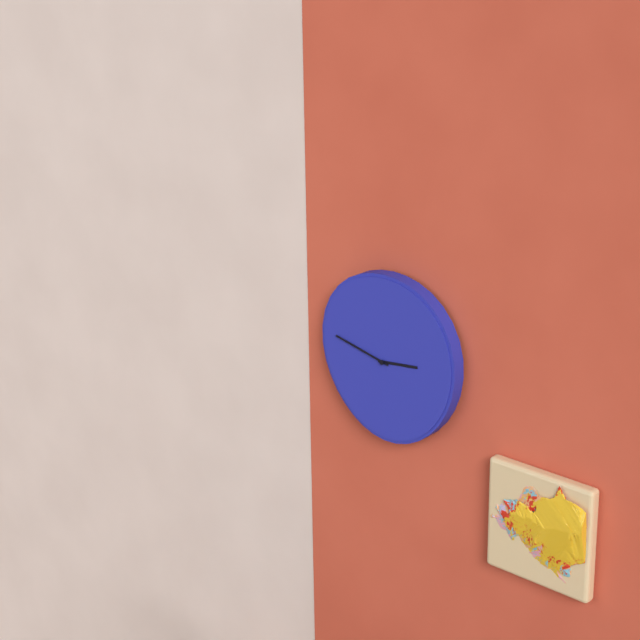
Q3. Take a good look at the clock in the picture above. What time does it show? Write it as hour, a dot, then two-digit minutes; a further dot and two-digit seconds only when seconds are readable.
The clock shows 2.47
